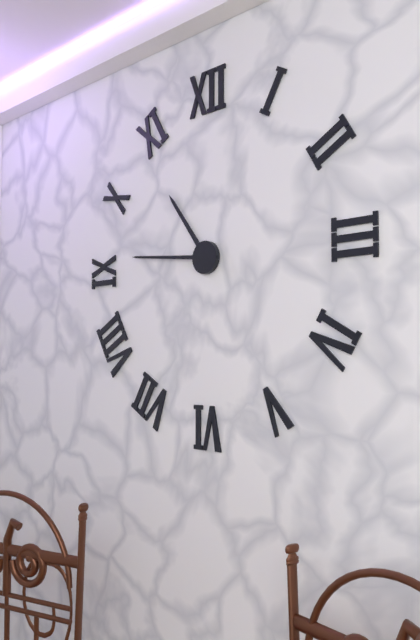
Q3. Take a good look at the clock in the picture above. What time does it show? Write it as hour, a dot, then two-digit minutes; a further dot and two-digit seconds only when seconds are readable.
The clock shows 10.46
